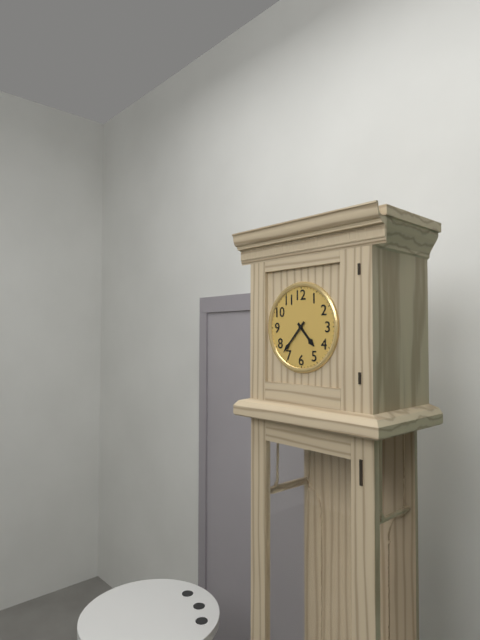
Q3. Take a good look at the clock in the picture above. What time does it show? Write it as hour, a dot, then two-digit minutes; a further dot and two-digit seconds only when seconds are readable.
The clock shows 4.37
